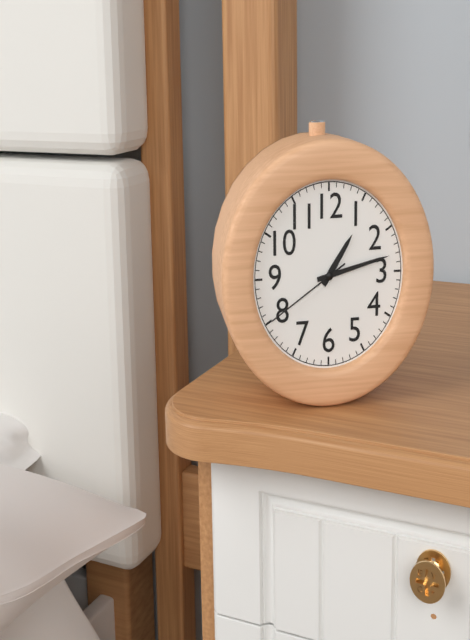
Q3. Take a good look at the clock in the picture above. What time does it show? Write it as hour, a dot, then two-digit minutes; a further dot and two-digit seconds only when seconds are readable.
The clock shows 1.13.40
